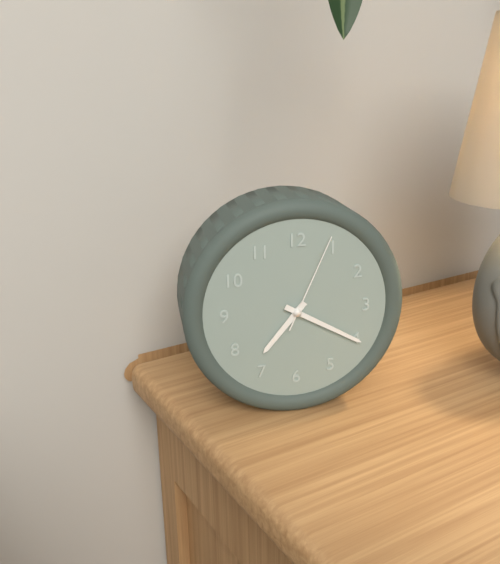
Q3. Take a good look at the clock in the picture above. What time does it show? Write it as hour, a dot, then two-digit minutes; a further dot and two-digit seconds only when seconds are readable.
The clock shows 7.20.04
